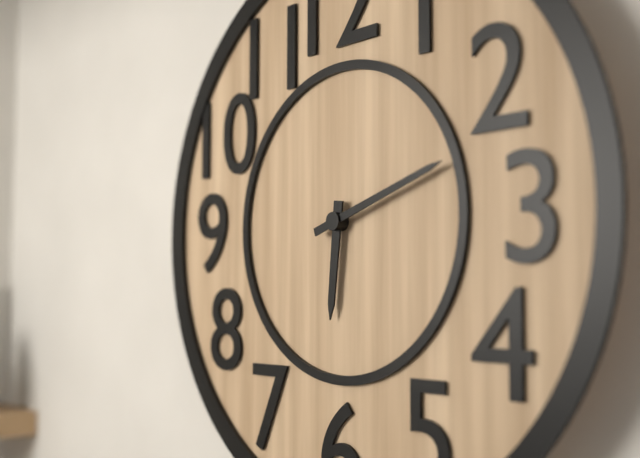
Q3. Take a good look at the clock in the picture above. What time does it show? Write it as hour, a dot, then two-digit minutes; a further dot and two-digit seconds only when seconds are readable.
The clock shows 6.12
